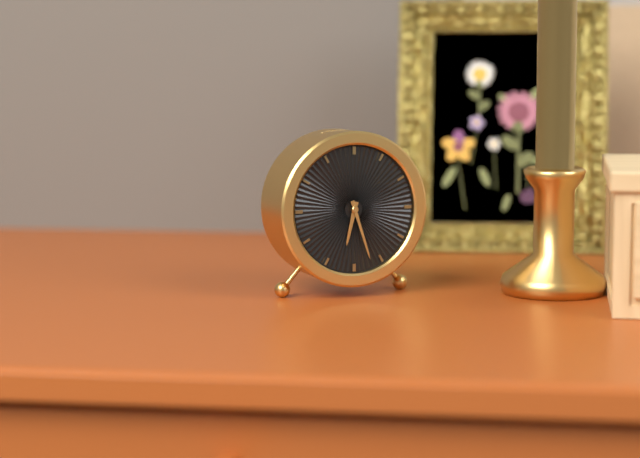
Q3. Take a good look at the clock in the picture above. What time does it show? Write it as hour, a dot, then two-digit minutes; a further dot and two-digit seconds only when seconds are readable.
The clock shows 6.27
